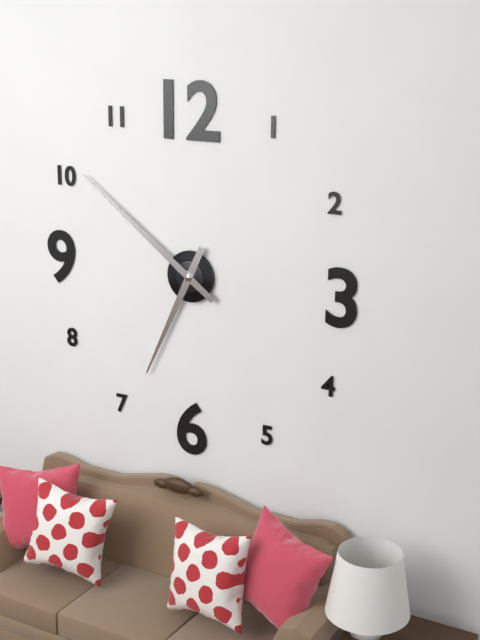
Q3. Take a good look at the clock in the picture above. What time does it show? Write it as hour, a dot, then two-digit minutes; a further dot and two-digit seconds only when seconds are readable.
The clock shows 6.51
